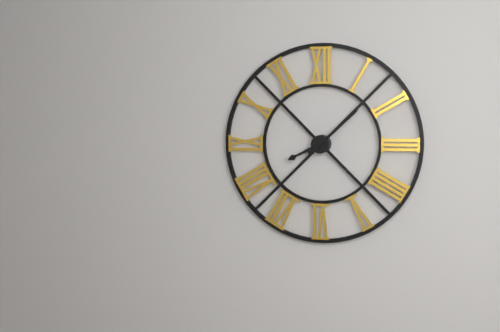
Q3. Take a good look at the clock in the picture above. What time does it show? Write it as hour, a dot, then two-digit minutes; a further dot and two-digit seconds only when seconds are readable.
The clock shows 8.08
